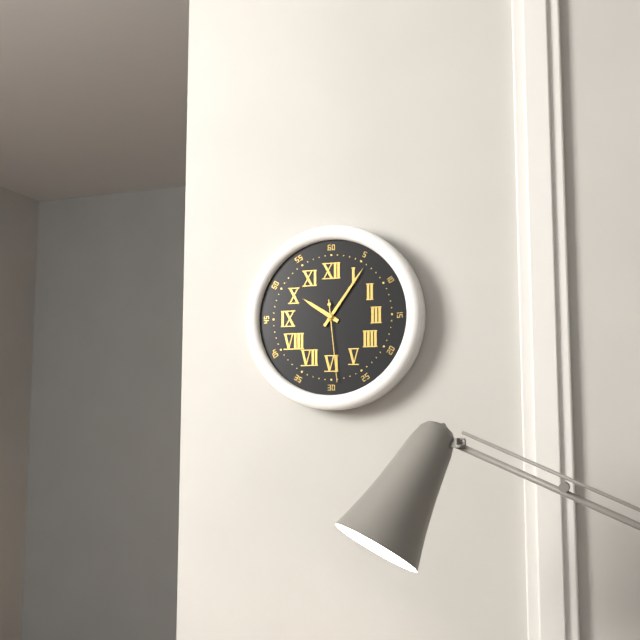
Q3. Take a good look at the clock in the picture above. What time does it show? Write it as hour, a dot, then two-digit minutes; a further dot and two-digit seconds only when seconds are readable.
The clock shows 10.06.29
